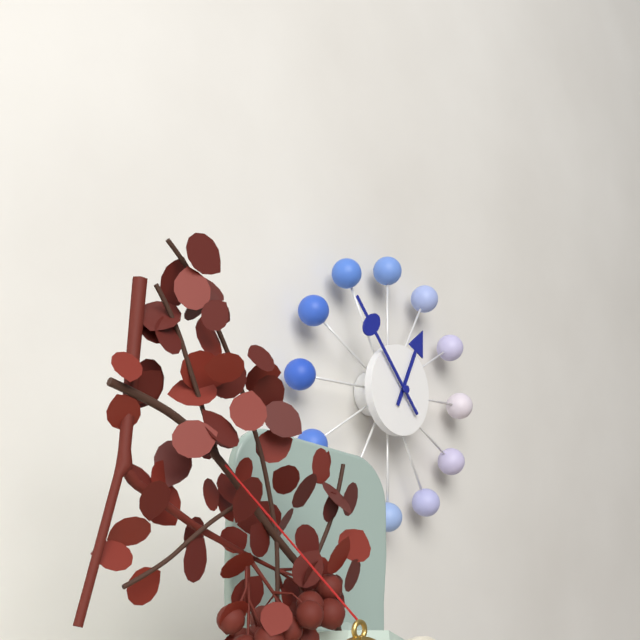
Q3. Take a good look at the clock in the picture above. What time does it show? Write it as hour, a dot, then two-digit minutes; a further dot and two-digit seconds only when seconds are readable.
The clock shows 12.53
